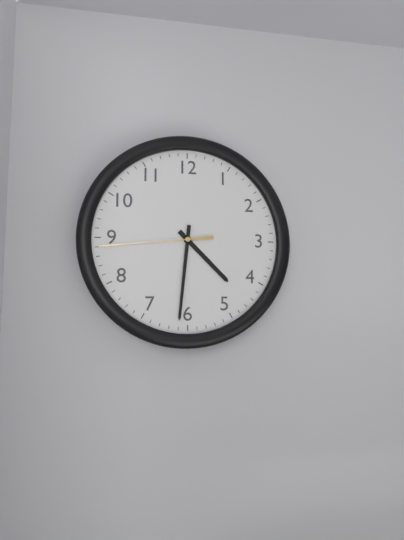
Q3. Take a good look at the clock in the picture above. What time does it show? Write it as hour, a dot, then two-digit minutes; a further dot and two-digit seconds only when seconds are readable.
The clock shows 4.31.44
